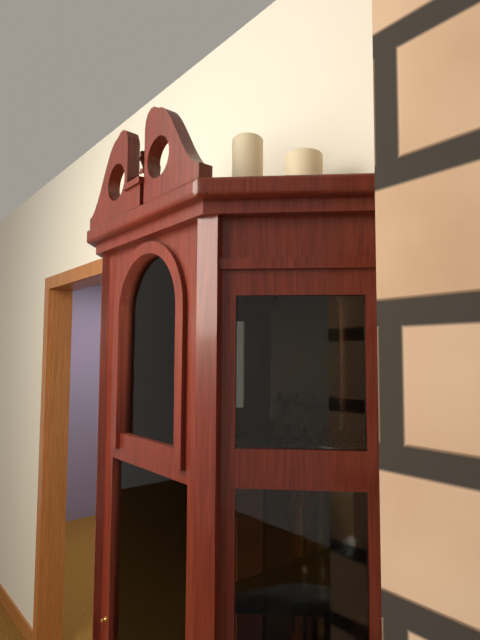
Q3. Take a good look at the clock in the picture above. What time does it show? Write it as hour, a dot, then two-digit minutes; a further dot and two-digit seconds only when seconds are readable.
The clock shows 12.39
